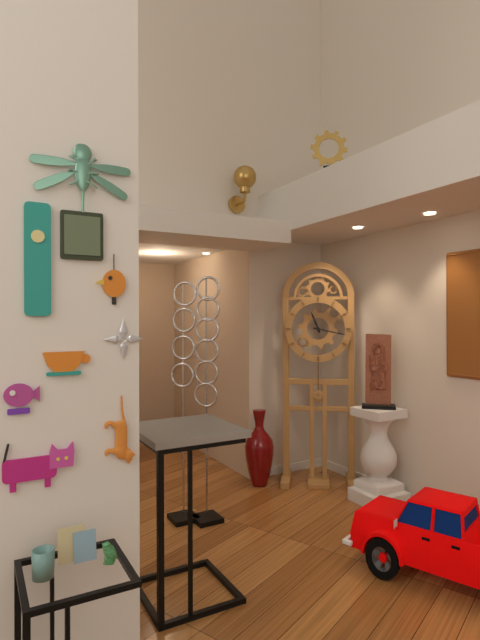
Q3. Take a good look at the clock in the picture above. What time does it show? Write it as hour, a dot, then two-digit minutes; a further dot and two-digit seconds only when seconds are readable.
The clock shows 11.17
